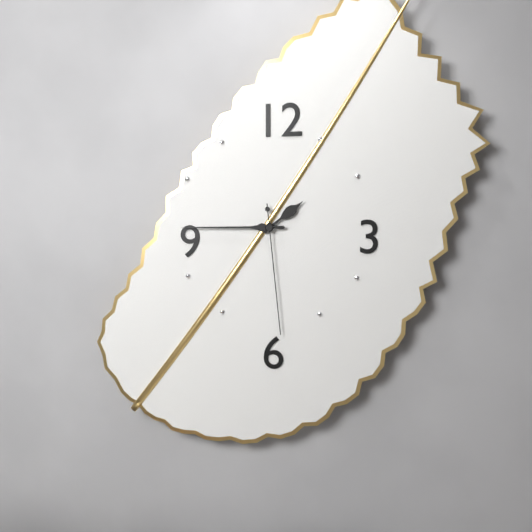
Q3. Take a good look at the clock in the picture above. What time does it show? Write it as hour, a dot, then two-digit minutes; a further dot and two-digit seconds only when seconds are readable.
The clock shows 1.45.29
